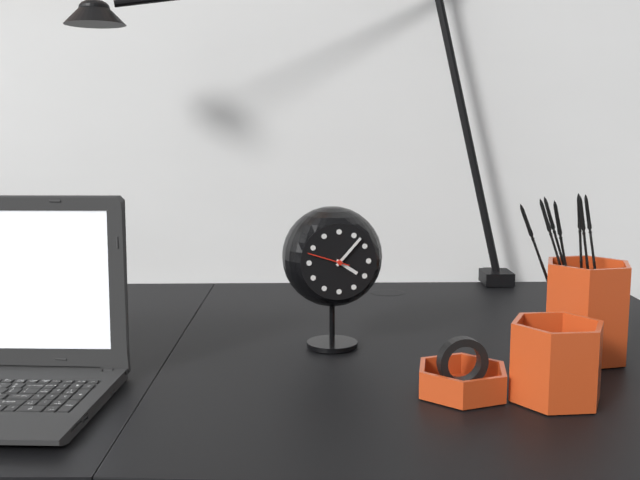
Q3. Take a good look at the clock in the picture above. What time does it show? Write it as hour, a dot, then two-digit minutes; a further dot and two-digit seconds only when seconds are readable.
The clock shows 4.07
